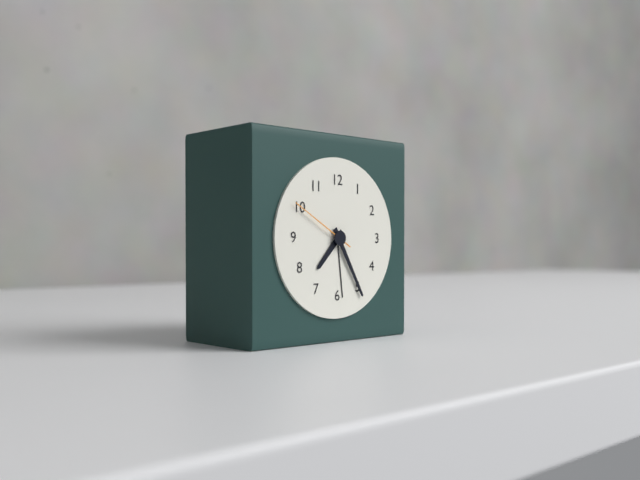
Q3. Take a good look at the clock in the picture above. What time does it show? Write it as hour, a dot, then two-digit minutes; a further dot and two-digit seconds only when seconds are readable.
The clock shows 7.25.50
